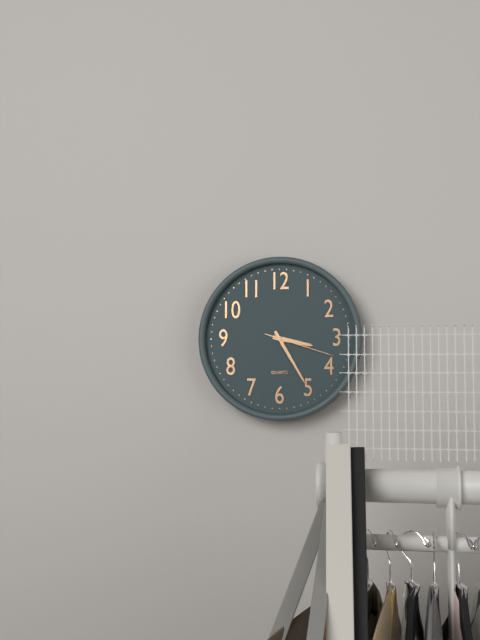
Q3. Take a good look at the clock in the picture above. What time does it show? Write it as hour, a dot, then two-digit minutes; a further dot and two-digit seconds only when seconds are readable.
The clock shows 3.25.18
